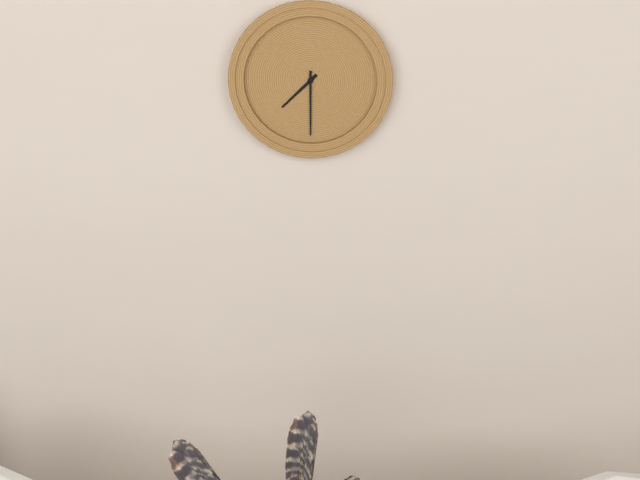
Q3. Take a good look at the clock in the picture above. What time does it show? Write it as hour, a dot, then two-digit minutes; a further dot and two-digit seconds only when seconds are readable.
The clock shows 7.30
